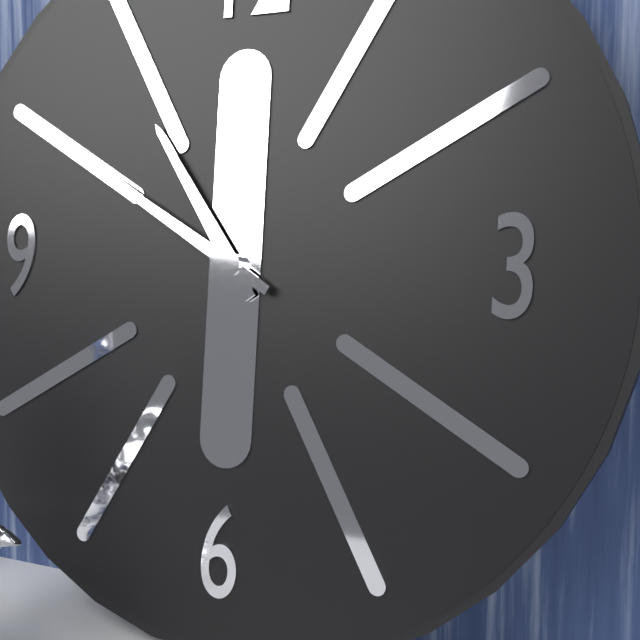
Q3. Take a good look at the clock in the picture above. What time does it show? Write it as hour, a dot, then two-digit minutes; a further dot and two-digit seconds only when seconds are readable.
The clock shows 10.50
